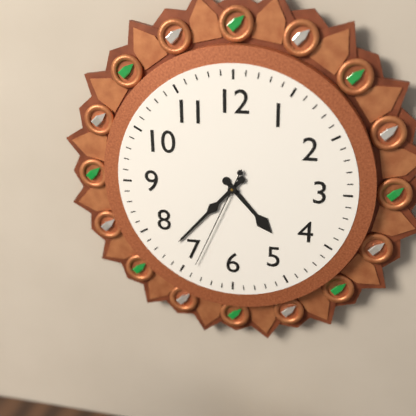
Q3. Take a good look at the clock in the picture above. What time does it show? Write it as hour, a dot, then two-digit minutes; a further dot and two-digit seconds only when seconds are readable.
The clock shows 4.37.34
